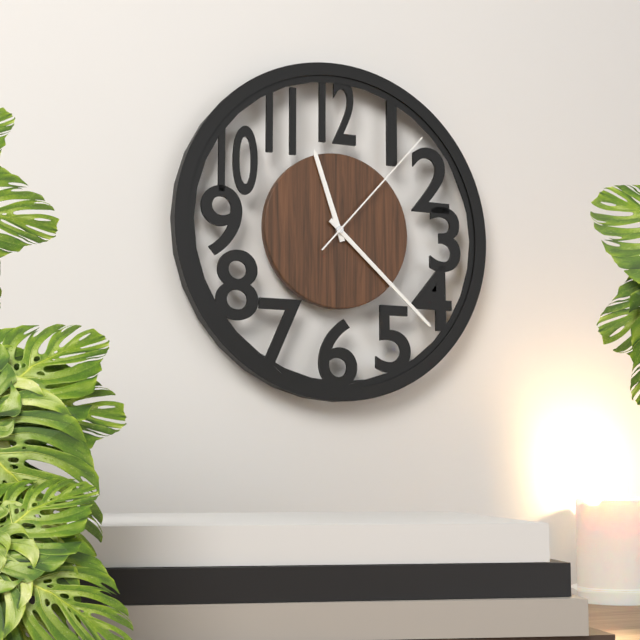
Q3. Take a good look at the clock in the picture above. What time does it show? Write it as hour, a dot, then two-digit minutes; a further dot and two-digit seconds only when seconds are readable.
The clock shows 11.22.07
